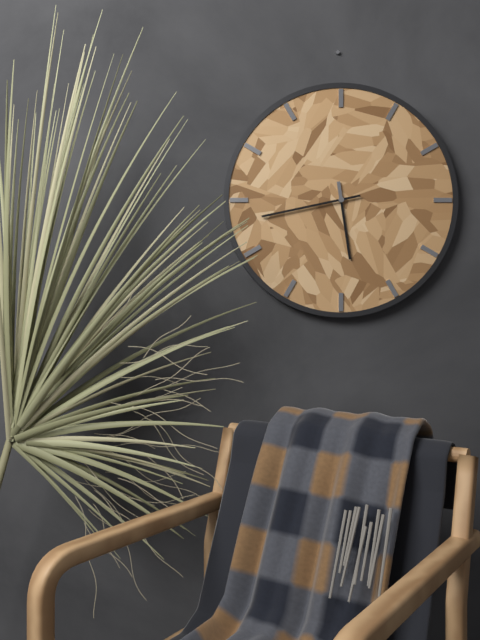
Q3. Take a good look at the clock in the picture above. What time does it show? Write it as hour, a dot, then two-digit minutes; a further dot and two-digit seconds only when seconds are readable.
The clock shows 5.43
